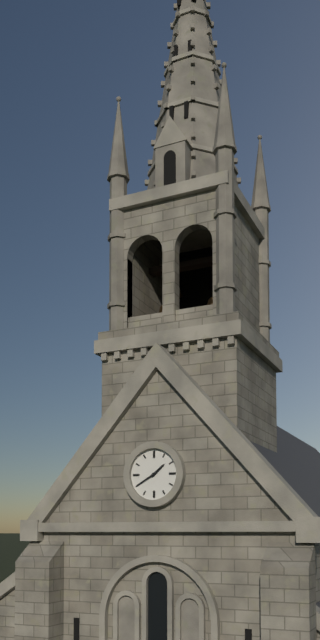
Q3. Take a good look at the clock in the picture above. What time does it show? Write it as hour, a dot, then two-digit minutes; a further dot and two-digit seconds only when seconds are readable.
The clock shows 1.40
